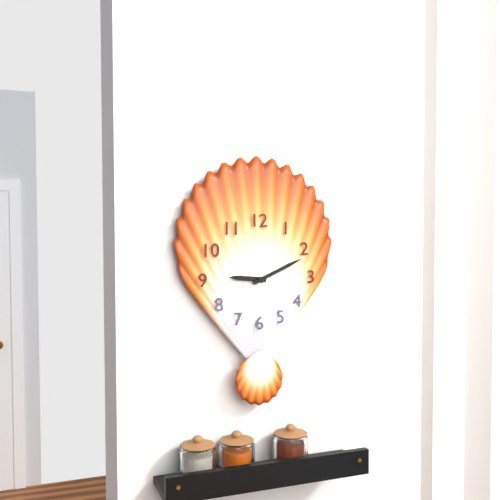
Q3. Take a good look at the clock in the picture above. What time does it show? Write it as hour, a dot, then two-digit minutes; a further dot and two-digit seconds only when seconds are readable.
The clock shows 9.11
